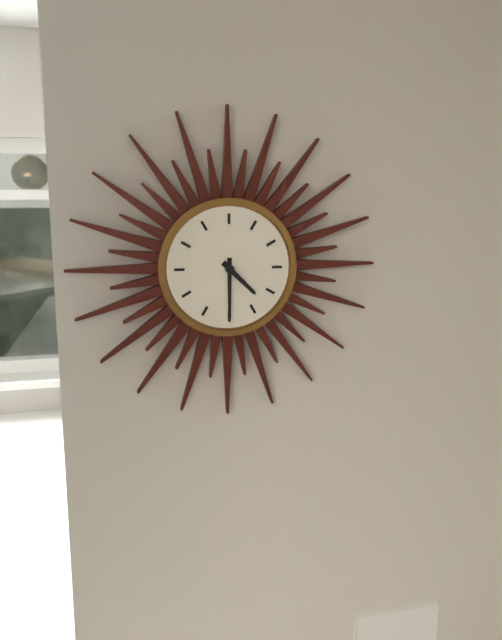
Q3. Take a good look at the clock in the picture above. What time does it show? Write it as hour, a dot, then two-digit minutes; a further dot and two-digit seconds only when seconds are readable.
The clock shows 4.30
